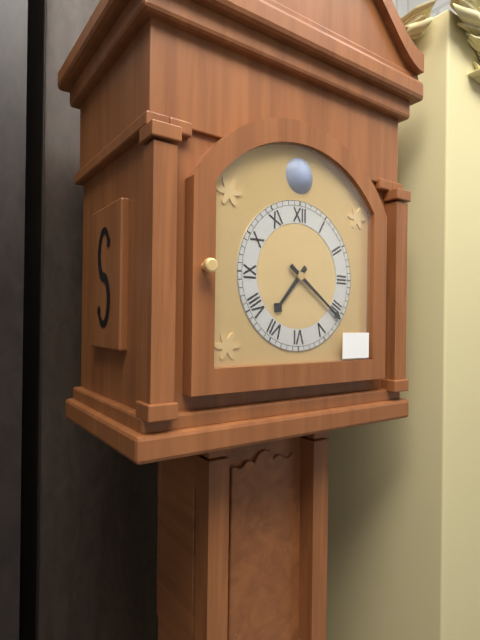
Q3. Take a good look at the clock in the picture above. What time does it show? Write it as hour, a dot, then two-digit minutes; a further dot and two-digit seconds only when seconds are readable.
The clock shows 7.21
